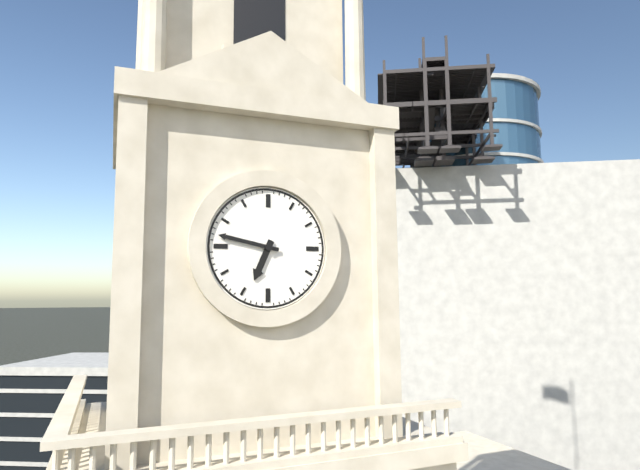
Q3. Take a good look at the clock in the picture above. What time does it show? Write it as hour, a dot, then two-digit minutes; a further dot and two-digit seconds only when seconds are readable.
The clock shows 6.47
